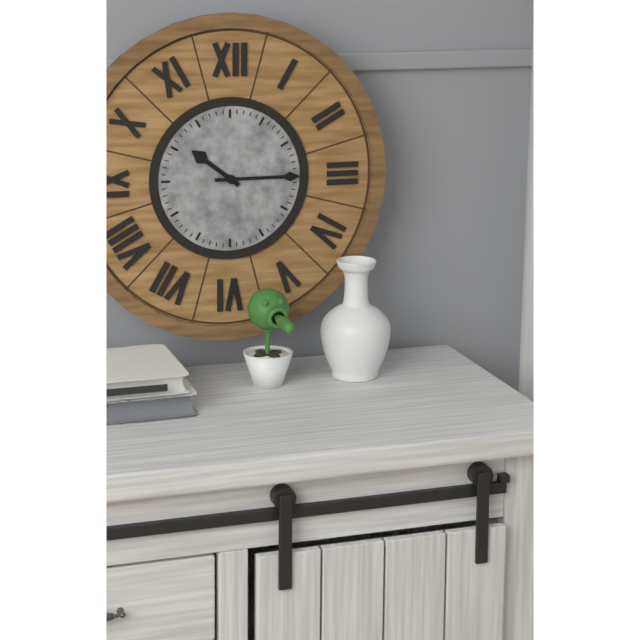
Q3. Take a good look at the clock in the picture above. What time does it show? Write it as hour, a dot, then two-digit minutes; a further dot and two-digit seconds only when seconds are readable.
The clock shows 10.15
